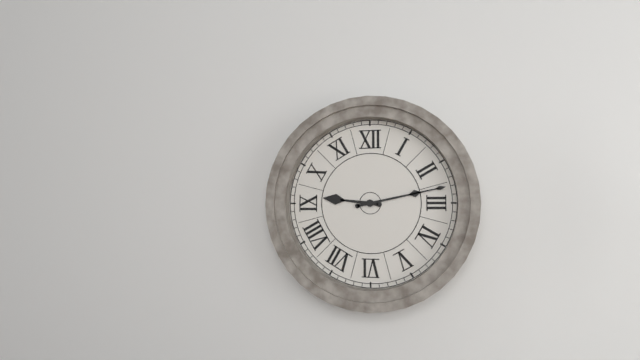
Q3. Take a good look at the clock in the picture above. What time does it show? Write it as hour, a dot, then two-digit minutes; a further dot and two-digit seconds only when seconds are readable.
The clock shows 9.13
